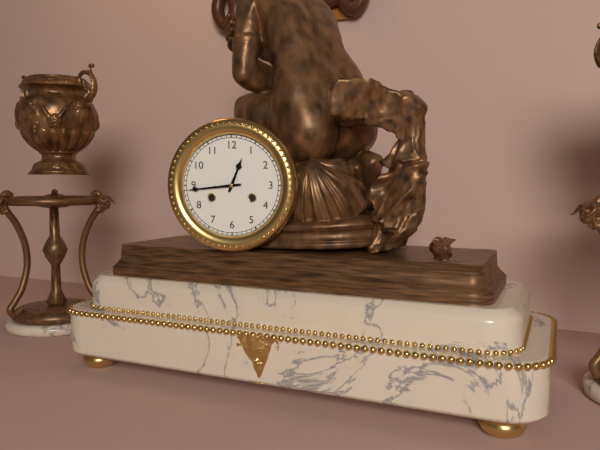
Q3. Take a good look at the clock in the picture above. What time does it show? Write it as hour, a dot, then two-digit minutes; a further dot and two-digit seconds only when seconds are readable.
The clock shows 12.44
